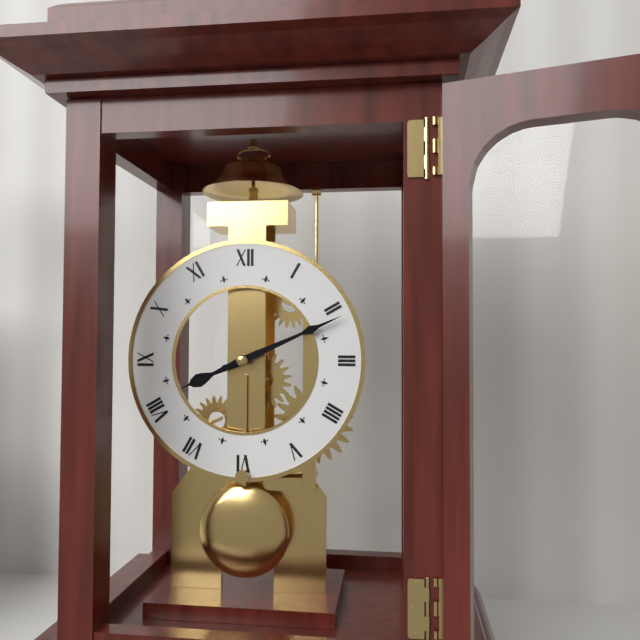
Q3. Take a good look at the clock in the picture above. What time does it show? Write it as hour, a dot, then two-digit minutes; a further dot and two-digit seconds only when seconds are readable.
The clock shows 8.11
